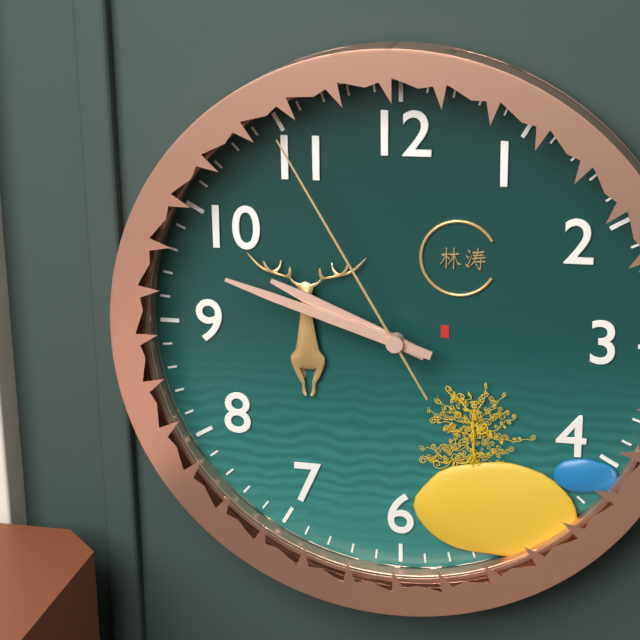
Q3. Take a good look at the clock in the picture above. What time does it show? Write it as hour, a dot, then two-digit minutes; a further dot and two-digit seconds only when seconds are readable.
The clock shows 9.48.55
